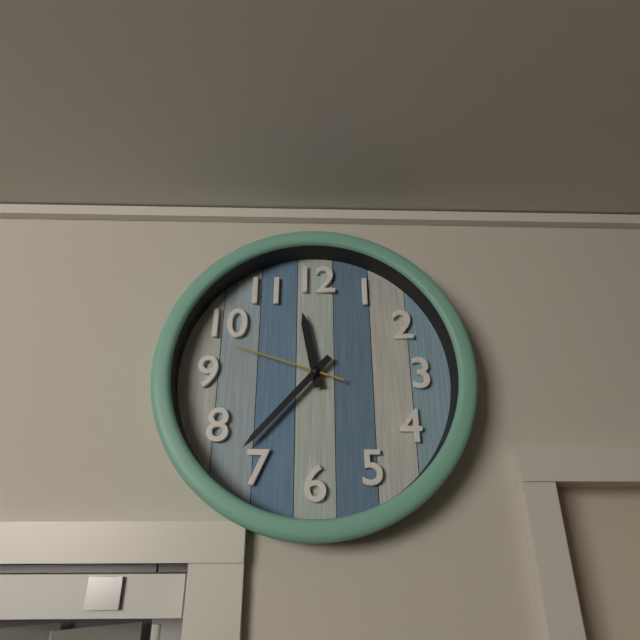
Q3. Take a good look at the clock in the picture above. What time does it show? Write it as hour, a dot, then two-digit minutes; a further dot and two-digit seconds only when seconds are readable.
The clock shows 11.37.48
